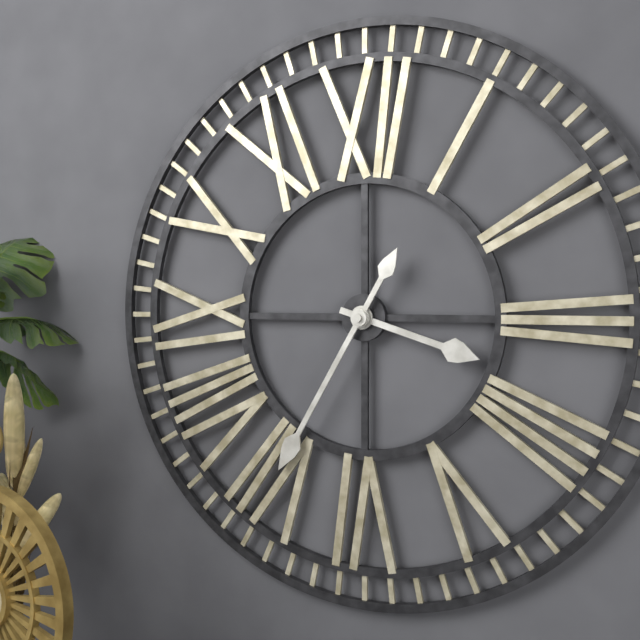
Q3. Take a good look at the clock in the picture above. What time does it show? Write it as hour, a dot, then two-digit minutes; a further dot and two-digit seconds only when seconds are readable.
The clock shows 3.35
